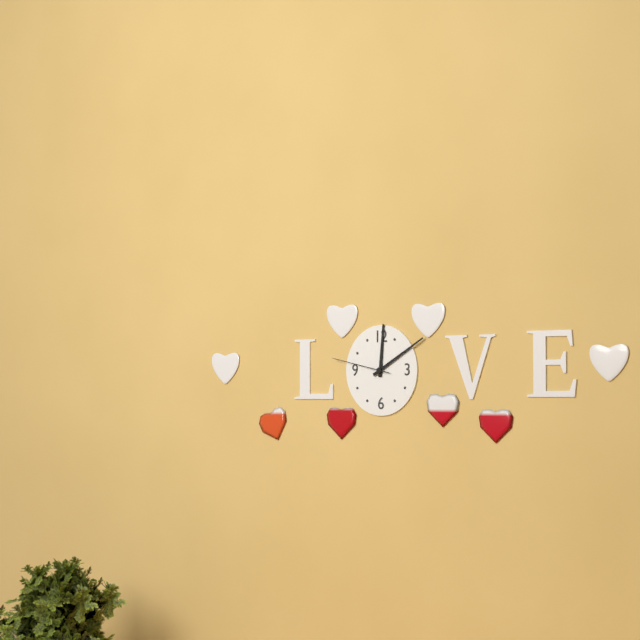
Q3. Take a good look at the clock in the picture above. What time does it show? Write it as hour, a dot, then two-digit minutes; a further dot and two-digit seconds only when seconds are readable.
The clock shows 12.10.47
